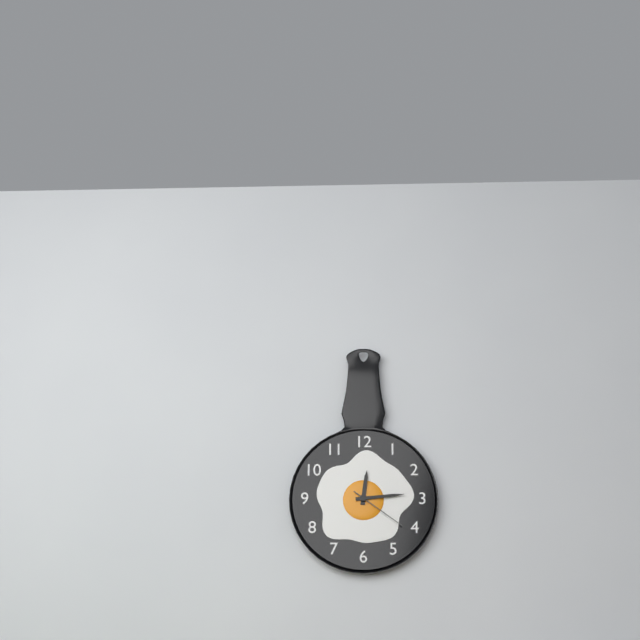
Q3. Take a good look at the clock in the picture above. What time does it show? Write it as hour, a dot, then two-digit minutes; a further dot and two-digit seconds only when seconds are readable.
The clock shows 12.14.21
